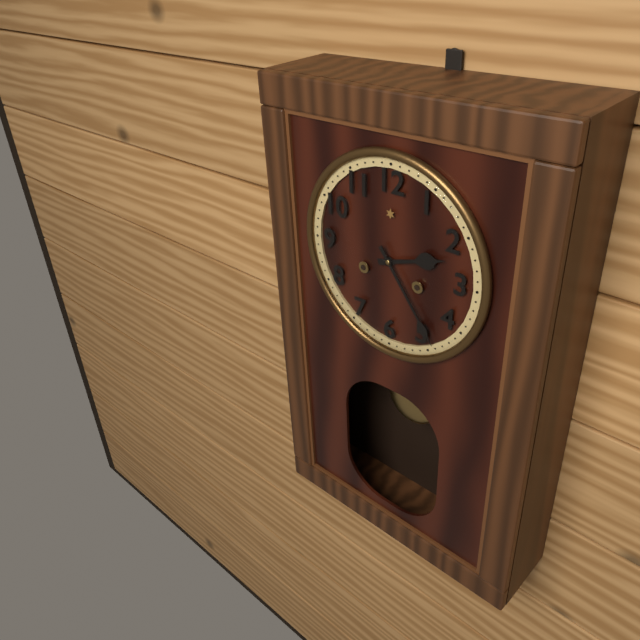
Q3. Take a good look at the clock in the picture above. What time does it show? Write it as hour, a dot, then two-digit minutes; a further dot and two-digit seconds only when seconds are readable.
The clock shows 2.24
